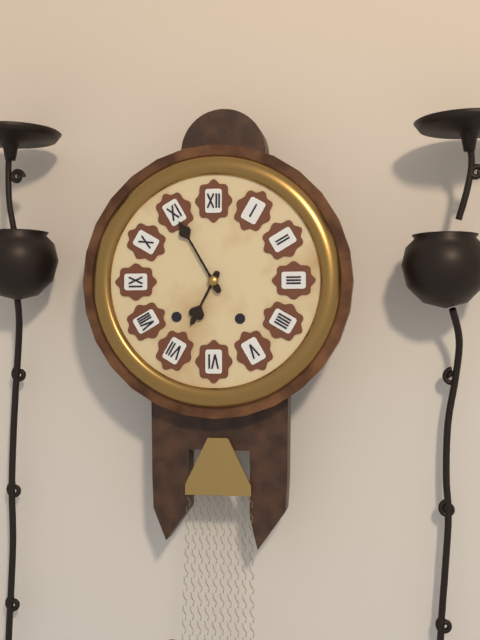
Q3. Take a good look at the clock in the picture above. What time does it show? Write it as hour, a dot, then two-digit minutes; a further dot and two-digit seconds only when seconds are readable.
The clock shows 6.55
